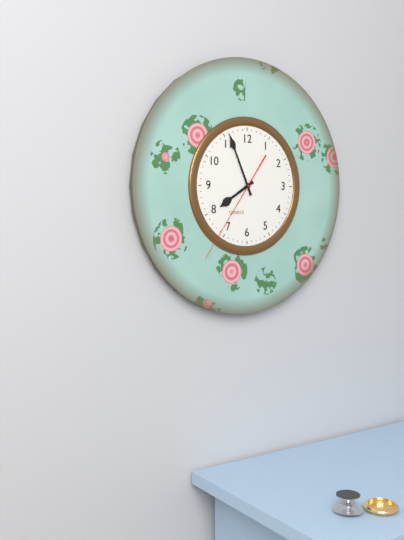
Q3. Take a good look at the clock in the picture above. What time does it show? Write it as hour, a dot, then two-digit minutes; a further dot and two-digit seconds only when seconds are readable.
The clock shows 7.56.36
